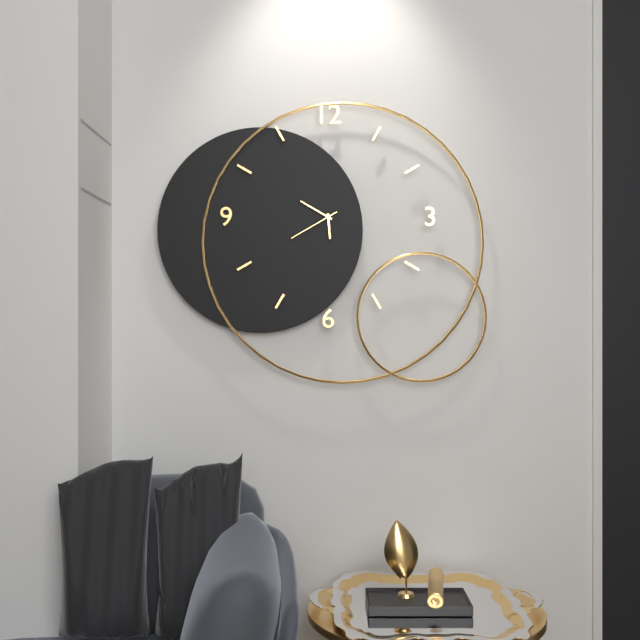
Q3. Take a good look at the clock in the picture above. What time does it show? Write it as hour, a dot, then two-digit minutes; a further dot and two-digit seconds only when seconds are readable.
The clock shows 5.50.40
